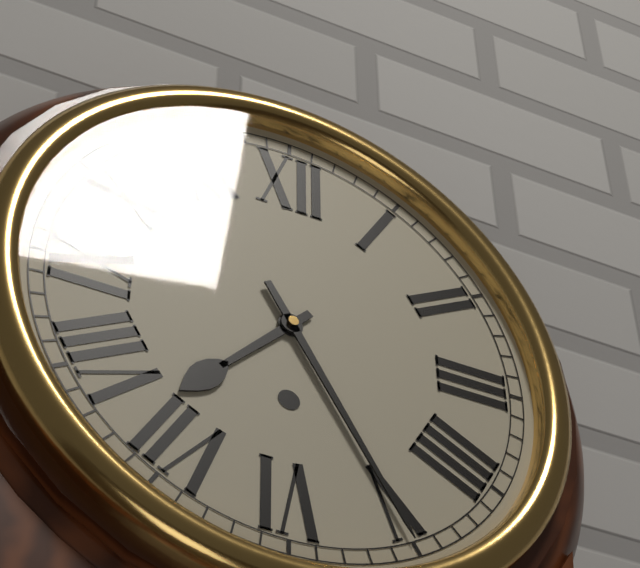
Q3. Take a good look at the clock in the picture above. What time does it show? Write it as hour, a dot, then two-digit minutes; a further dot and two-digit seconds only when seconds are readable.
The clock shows 7.25
